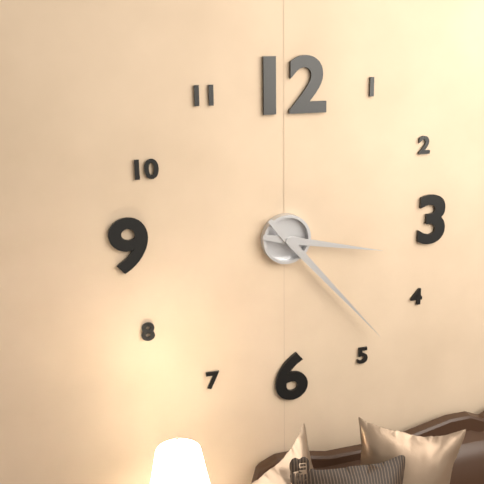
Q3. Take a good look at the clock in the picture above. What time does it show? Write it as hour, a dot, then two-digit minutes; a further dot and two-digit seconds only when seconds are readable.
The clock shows 3.23
